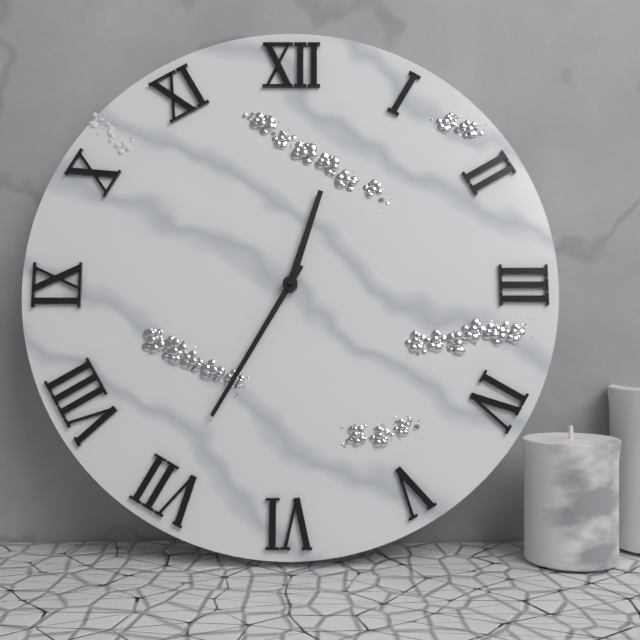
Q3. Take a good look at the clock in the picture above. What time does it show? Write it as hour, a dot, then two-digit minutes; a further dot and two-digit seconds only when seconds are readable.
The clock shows 12.35
